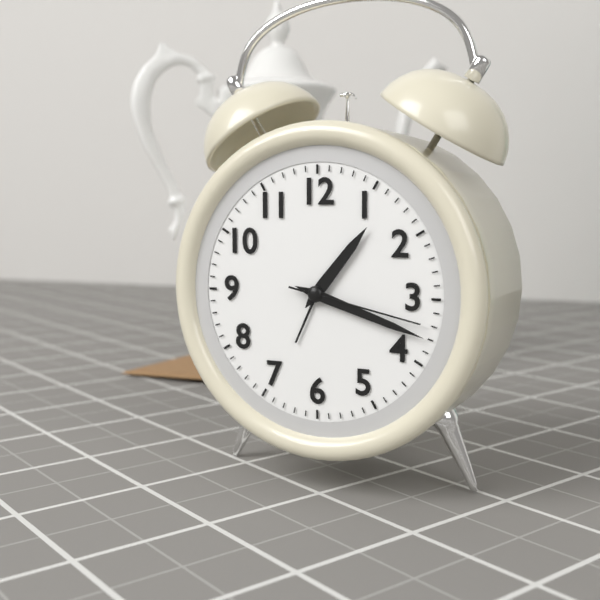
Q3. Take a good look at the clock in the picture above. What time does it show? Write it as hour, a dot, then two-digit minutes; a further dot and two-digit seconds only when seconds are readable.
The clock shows 1.18.17
